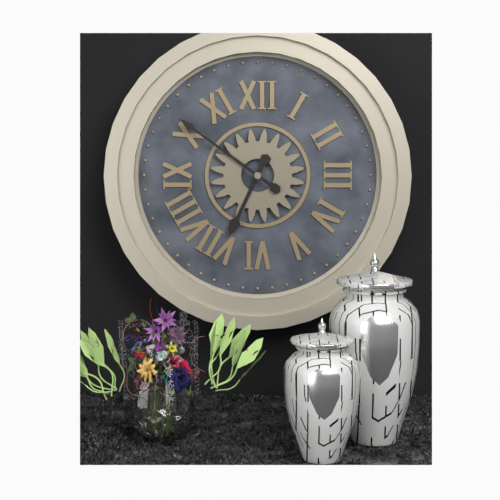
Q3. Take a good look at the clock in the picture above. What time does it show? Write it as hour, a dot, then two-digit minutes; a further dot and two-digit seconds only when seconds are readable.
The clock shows 6.51
